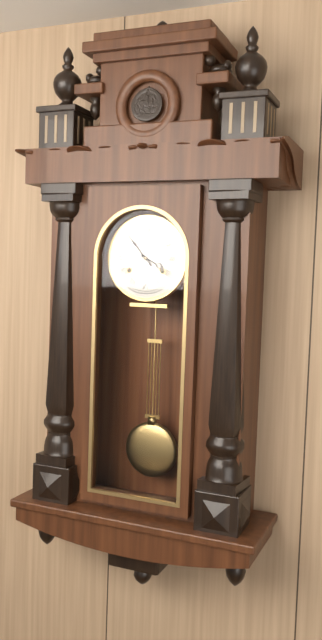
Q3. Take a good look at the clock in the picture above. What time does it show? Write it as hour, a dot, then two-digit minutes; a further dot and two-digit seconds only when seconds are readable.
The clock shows 3.53
